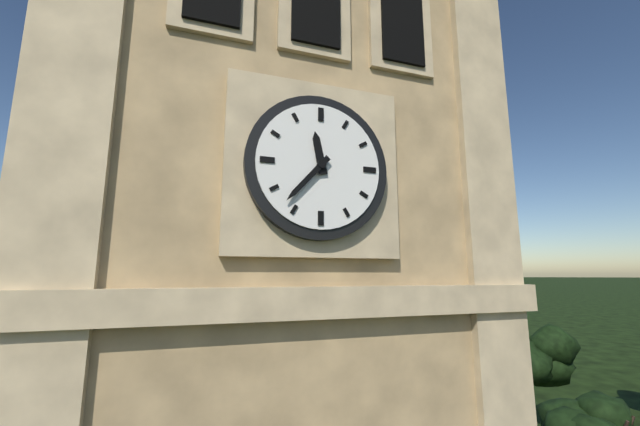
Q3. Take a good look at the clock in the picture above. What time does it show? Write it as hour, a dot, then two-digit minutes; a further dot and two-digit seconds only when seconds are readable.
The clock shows 11.37
